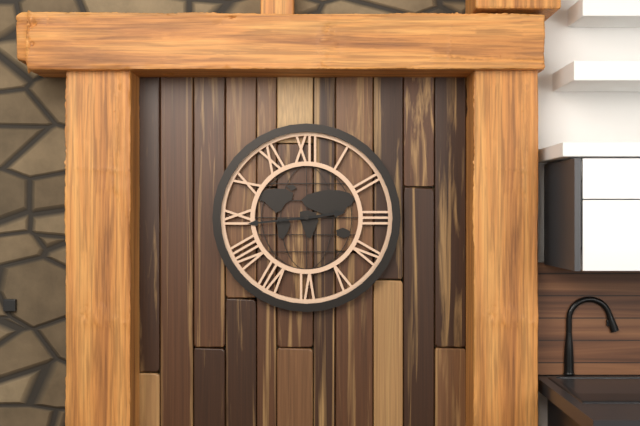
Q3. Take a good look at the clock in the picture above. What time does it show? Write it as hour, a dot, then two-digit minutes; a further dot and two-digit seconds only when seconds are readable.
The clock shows 2.44
